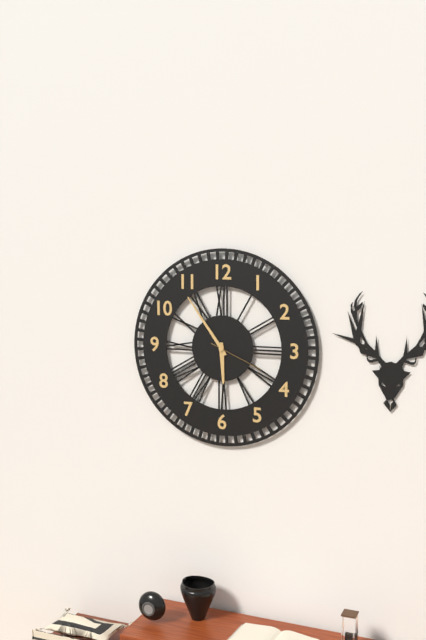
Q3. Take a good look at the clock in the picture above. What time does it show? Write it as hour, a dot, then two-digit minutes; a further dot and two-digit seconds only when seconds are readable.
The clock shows 5.54.19
